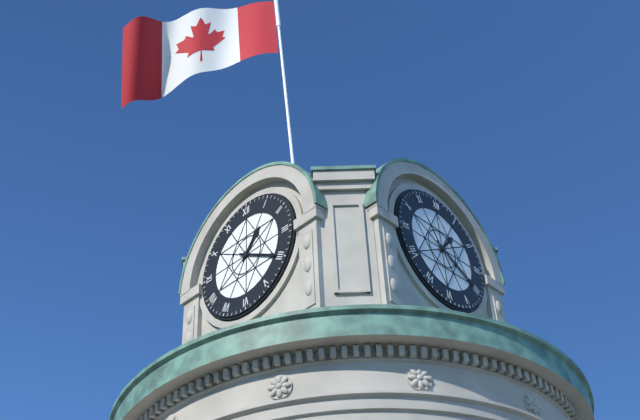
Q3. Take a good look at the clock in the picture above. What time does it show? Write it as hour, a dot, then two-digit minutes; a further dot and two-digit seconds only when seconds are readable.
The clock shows 1.20
